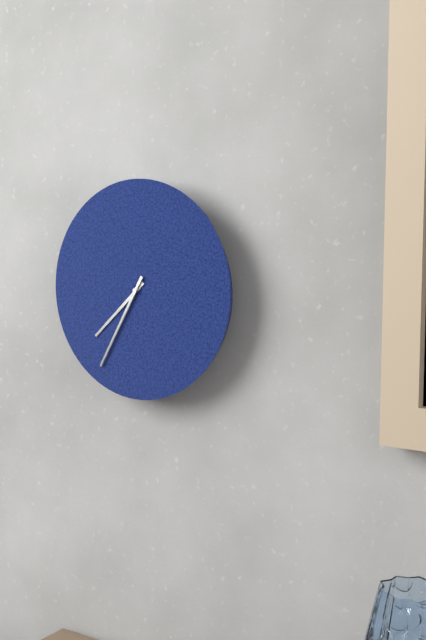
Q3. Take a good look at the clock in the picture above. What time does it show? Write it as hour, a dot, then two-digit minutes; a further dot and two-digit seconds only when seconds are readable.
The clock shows 7.35
